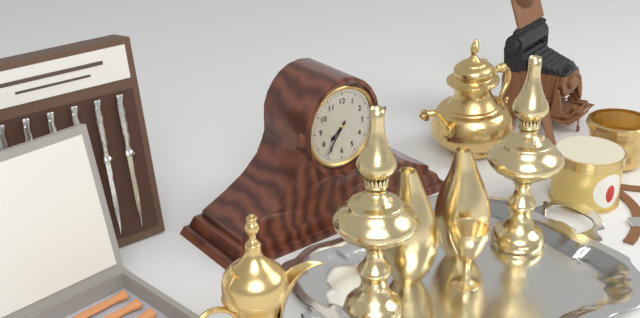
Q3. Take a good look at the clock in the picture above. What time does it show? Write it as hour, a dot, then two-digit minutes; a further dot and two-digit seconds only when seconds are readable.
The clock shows 7.36
